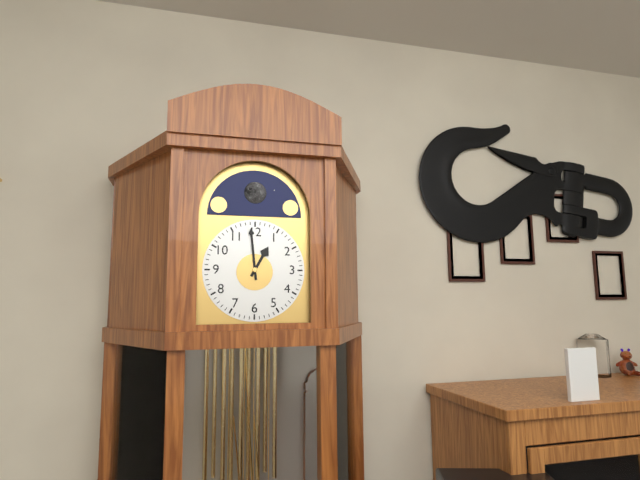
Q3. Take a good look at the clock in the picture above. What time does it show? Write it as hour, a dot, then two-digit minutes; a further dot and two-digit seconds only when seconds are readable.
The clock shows 12.59
